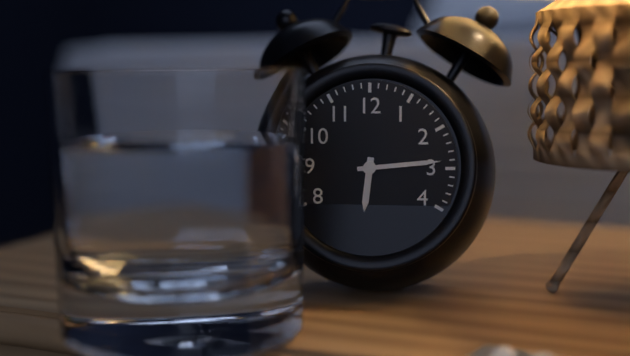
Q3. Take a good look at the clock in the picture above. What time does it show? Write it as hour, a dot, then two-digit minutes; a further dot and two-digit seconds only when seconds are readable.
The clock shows 6.14
